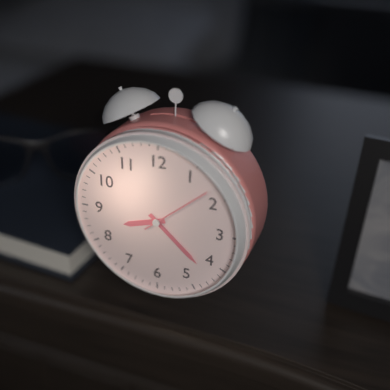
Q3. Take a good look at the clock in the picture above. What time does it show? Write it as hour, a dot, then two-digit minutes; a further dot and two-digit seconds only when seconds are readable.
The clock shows 8.22.08
